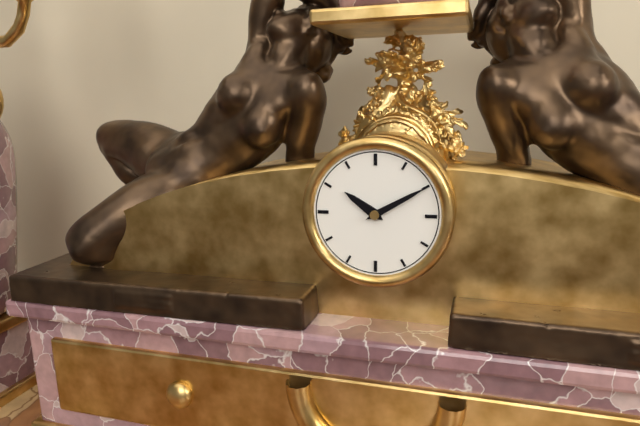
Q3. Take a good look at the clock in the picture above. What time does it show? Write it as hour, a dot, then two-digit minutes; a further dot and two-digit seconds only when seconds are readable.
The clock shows 10.10
